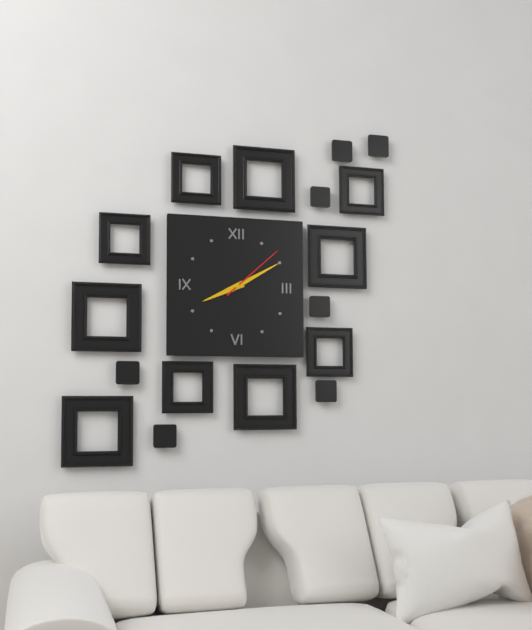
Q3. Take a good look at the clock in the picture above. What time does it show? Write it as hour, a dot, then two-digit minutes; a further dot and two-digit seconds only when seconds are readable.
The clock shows 8.10.08
